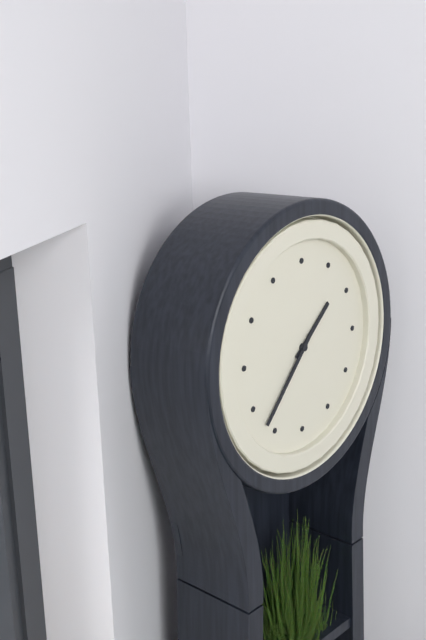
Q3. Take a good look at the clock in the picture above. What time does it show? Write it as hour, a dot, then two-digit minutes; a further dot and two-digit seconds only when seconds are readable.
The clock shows 1.37
